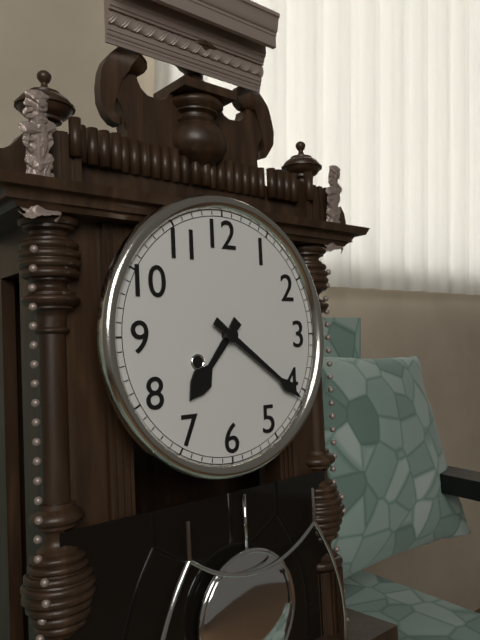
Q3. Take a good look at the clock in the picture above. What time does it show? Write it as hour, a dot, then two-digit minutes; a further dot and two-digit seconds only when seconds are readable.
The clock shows 7.21
